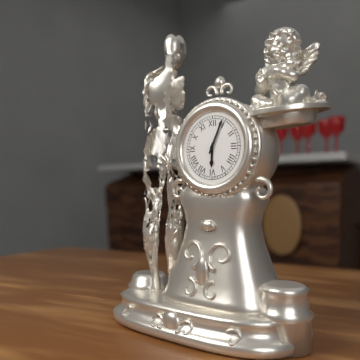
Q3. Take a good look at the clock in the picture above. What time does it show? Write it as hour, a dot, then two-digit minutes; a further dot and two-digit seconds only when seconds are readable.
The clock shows 6.04
